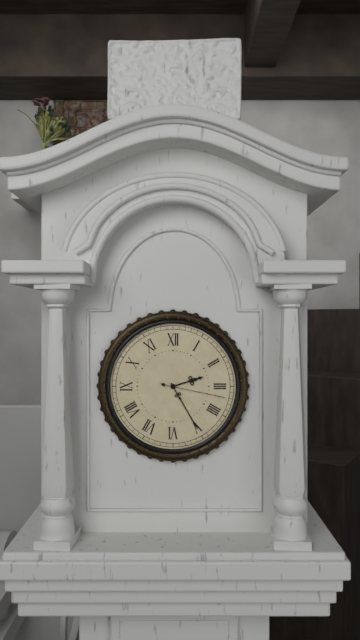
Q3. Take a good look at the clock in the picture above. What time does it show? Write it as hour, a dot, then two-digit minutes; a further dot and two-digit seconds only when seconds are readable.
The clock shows 2.25.17
